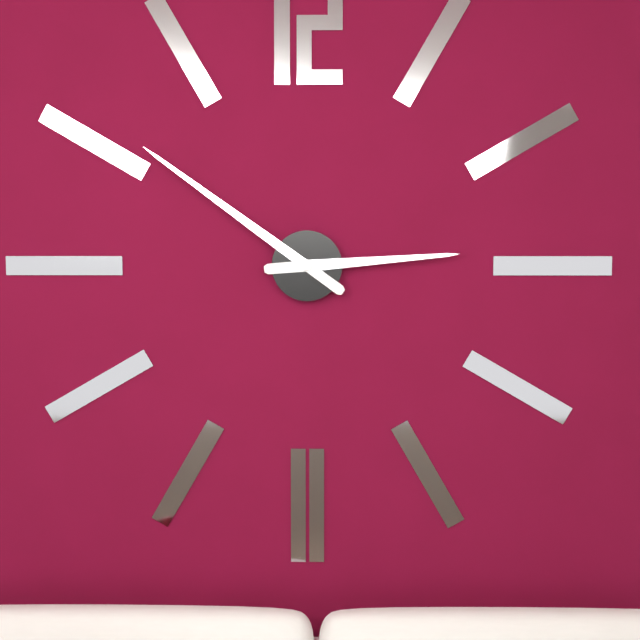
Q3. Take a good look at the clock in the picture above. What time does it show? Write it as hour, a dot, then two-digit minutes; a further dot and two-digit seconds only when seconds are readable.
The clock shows 2.51
